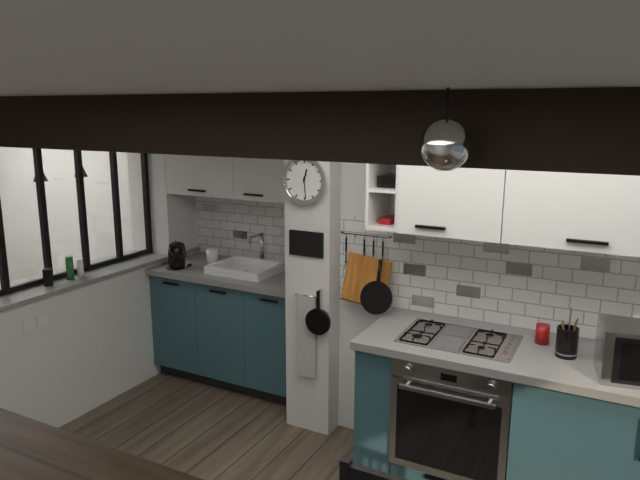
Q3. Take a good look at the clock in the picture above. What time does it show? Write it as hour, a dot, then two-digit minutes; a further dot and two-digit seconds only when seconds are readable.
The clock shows 12.29
